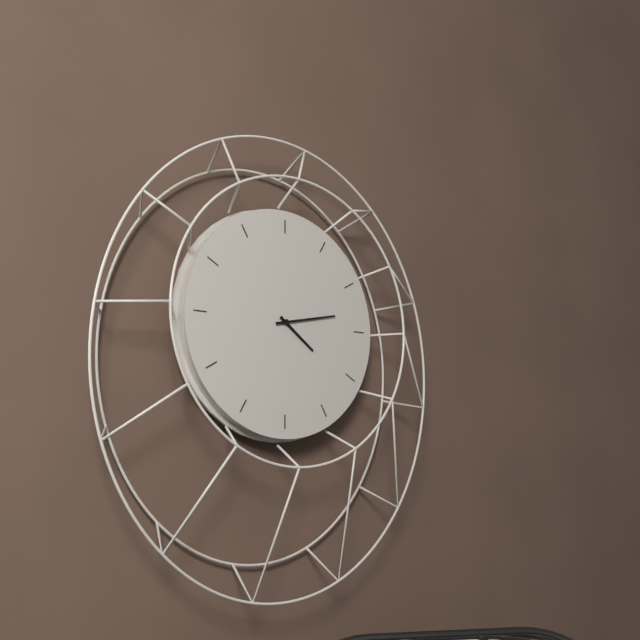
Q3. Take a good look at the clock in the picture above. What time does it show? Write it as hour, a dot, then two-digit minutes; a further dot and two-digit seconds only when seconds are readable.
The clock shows 4.13
